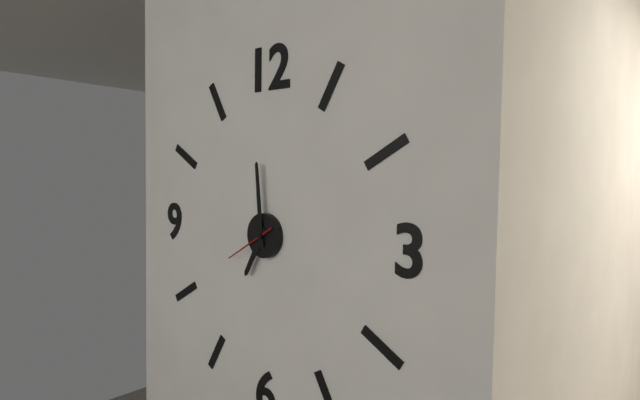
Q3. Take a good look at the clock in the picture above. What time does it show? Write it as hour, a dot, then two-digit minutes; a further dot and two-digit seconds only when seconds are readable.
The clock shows 6.59
